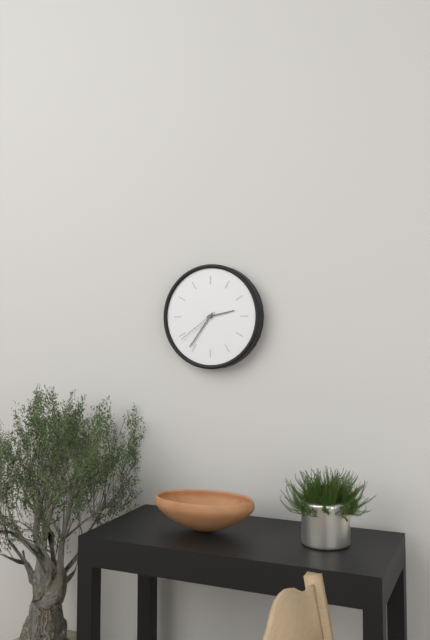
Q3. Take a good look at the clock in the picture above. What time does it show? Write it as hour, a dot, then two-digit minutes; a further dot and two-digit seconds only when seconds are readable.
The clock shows 2.36
